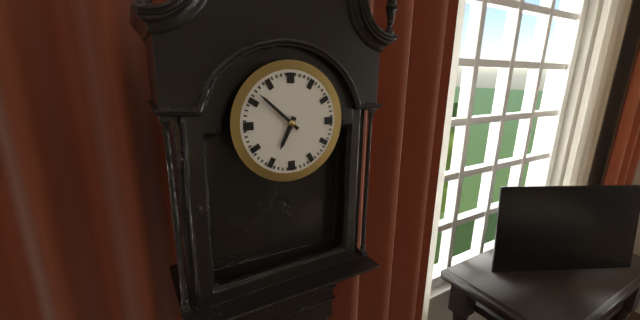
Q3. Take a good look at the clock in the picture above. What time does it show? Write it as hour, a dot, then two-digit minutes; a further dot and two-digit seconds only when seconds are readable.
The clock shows 6.52
